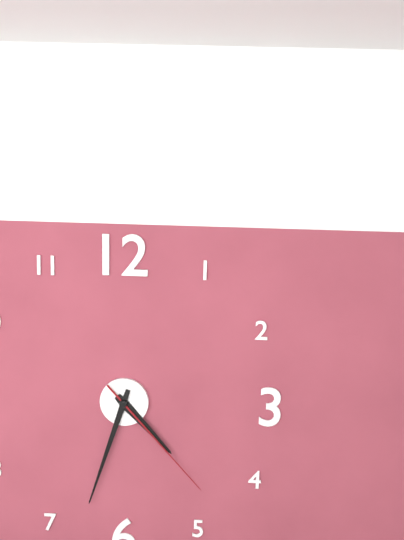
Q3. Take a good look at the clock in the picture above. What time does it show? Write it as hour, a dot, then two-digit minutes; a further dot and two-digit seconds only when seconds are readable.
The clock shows 4.33.23
